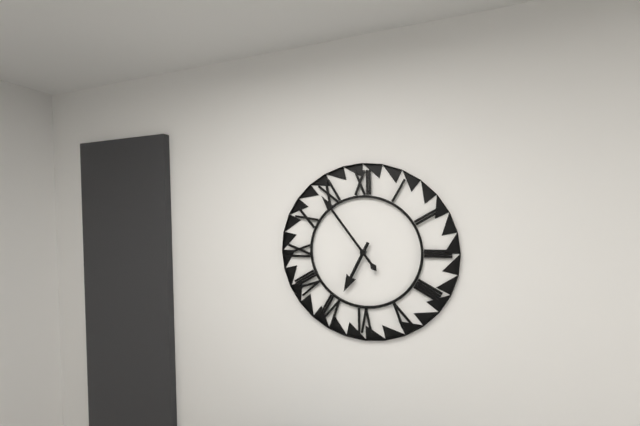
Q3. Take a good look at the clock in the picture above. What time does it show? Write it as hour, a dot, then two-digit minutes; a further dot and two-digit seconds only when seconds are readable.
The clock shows 6.54
